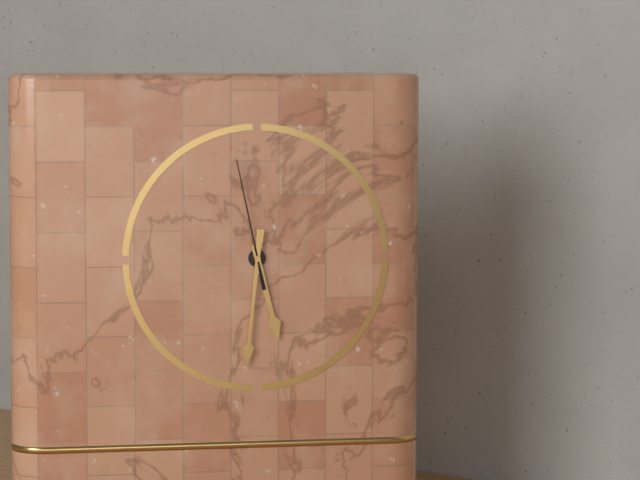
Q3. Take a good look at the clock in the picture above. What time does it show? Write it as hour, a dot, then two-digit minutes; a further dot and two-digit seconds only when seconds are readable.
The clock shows 5.31.58
